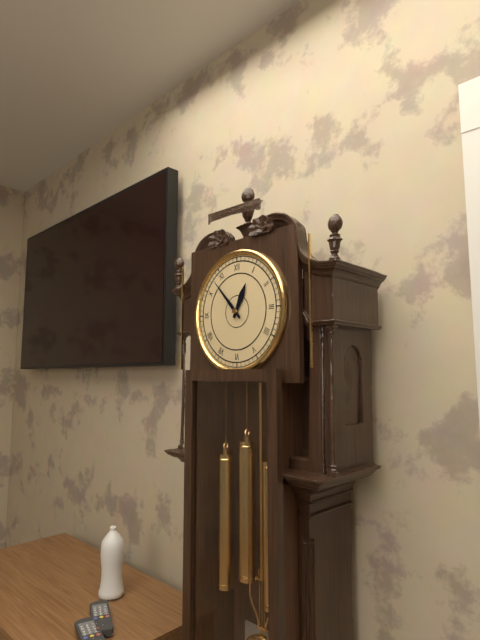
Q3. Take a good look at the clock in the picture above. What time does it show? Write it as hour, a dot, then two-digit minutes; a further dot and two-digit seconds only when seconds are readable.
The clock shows 12.53
